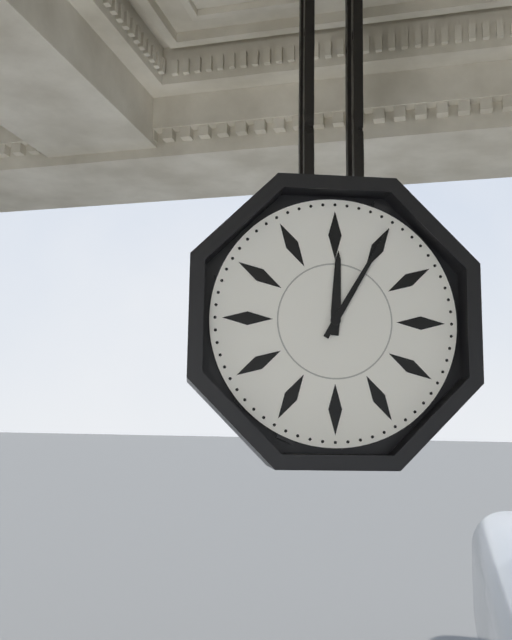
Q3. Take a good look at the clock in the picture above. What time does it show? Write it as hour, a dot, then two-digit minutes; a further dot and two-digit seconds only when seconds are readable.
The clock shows 12.05
